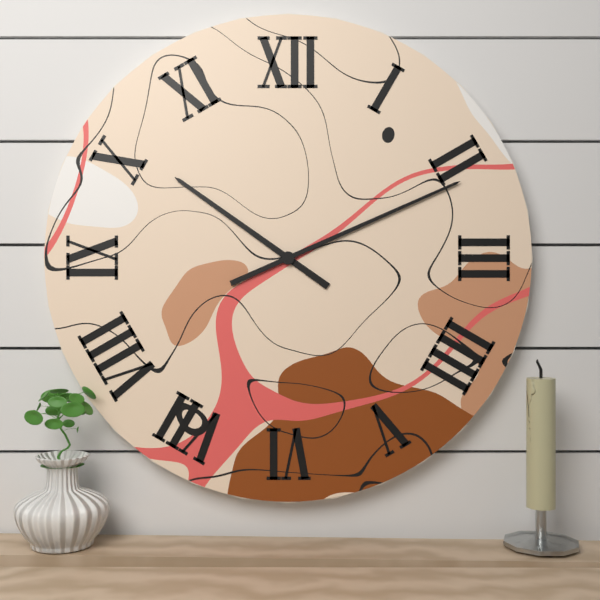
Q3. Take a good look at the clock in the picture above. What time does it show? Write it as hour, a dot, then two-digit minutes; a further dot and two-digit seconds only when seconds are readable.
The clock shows 10.11
